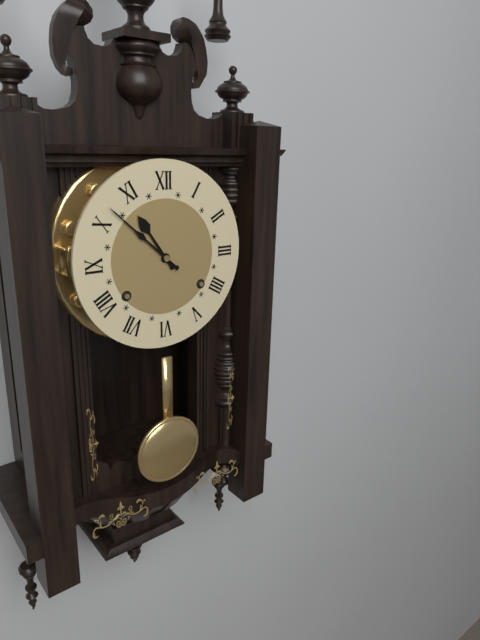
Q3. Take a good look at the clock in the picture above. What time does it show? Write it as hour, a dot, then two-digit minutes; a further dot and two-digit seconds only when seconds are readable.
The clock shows 10.52
